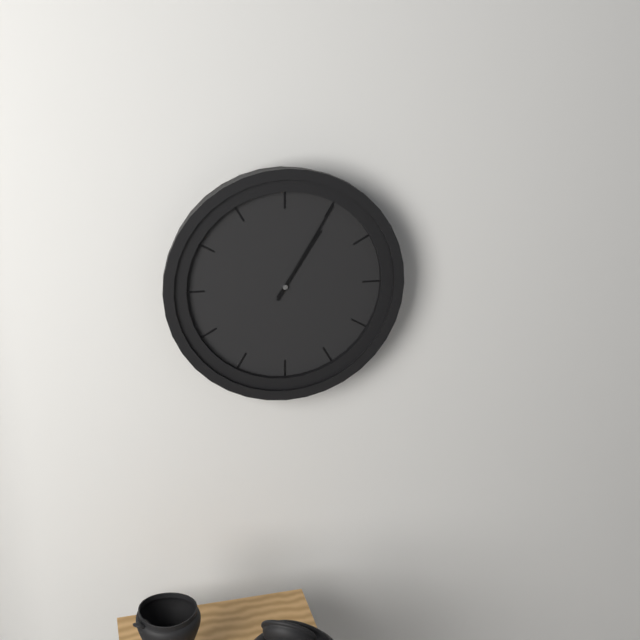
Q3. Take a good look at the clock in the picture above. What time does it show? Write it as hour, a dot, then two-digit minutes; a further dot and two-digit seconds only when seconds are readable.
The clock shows 1.05
